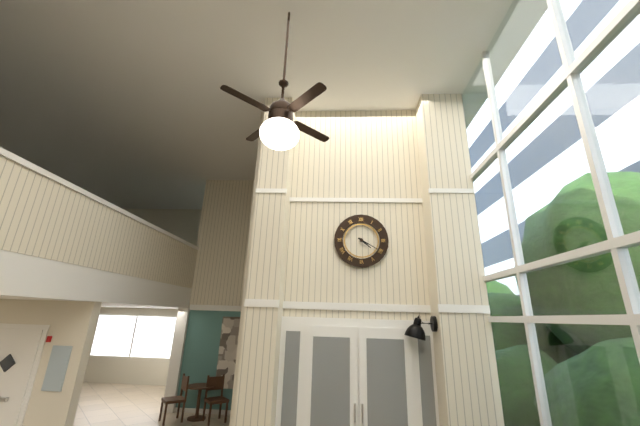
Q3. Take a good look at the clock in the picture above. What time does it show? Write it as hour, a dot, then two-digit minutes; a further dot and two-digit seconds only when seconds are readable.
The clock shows 4.20
